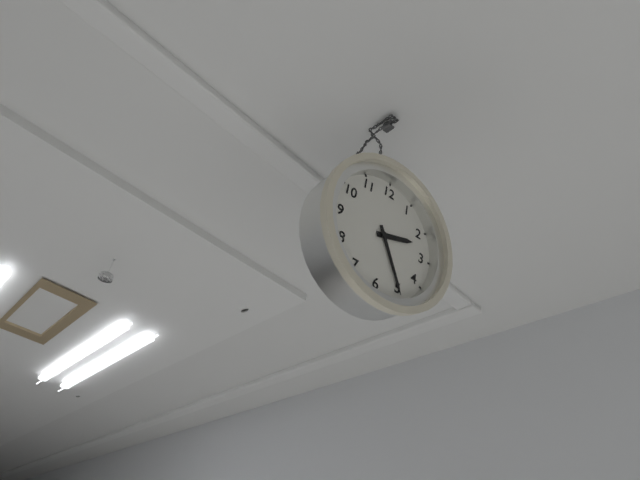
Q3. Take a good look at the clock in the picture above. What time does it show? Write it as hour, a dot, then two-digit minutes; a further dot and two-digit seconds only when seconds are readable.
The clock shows 2.25
